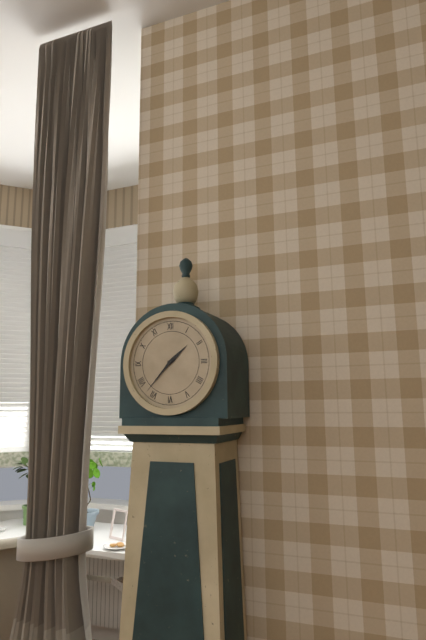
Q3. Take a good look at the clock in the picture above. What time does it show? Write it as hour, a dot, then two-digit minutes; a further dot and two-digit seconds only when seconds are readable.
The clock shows 1.37
